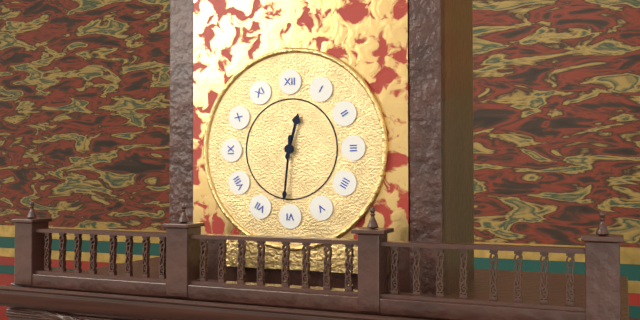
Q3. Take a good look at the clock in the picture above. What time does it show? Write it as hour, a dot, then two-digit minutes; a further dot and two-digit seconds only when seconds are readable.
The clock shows 12.31
